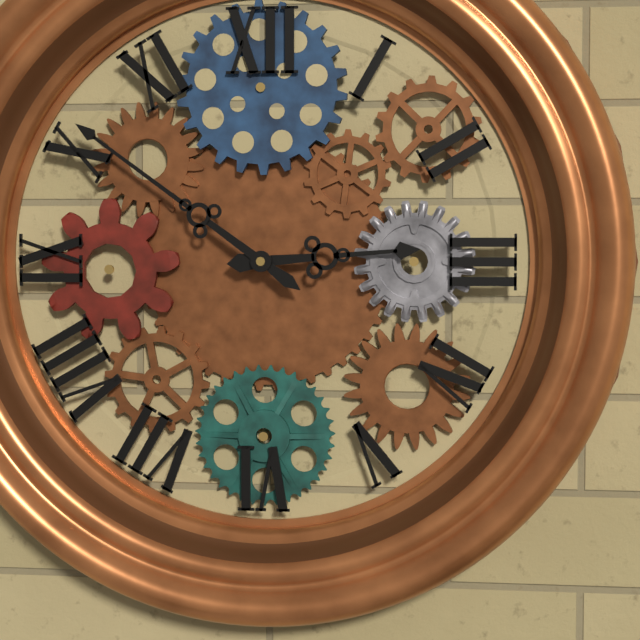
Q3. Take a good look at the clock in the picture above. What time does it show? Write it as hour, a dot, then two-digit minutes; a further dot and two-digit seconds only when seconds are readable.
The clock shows 2.51
